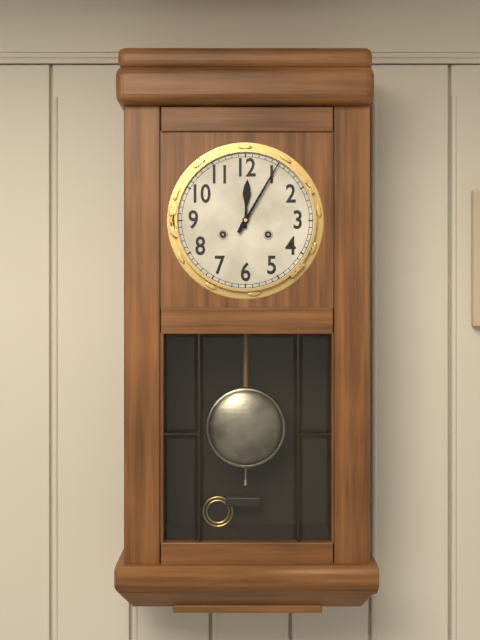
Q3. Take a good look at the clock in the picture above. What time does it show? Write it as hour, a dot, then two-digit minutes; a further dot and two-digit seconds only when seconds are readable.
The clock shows 12.05
